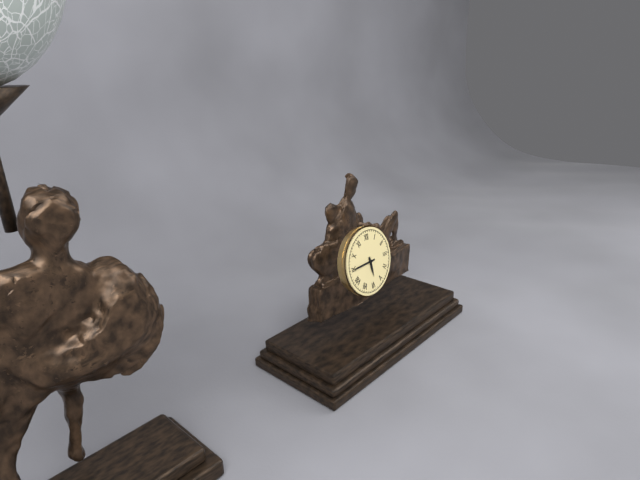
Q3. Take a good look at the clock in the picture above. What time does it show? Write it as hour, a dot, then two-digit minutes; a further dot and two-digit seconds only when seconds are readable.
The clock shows 5.45
